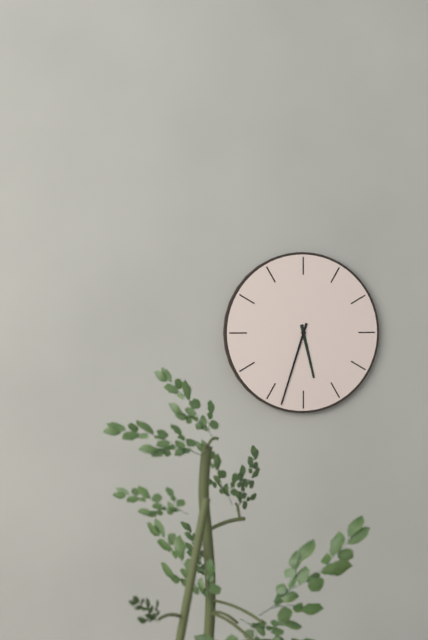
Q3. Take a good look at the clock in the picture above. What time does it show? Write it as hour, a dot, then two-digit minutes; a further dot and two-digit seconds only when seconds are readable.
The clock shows 5.33
